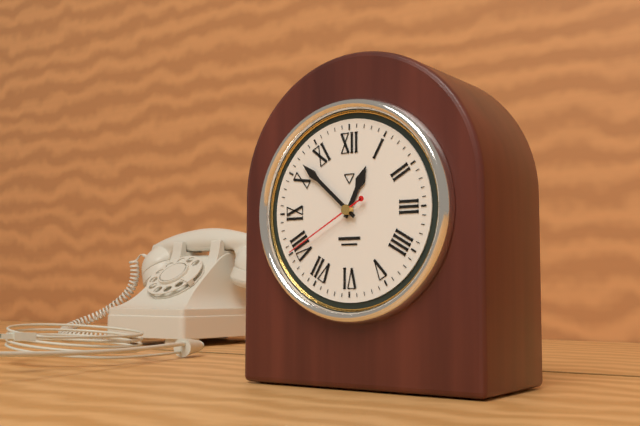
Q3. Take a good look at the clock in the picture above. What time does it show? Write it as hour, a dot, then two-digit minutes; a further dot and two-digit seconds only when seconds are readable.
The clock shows 12.52.40
